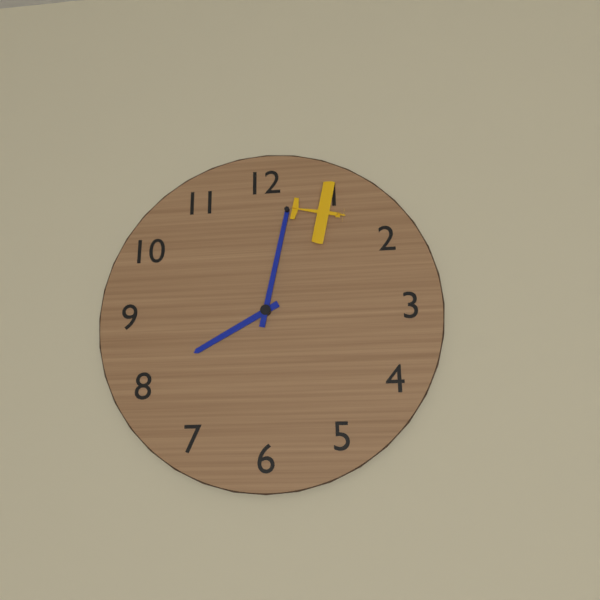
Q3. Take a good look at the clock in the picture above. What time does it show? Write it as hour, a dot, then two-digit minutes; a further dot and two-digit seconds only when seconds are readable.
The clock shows 8.02
